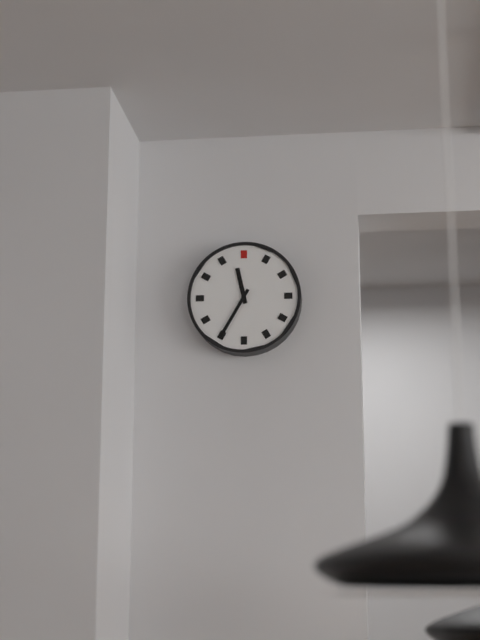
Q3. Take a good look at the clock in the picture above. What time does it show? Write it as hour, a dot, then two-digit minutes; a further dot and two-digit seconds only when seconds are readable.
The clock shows 11.35
